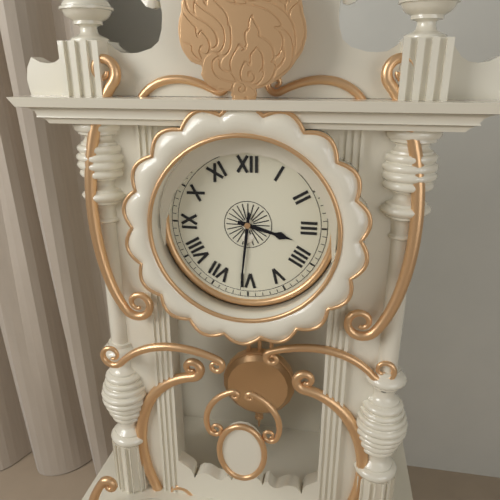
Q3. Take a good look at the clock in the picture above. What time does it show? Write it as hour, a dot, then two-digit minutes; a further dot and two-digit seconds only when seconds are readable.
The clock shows 3.31
